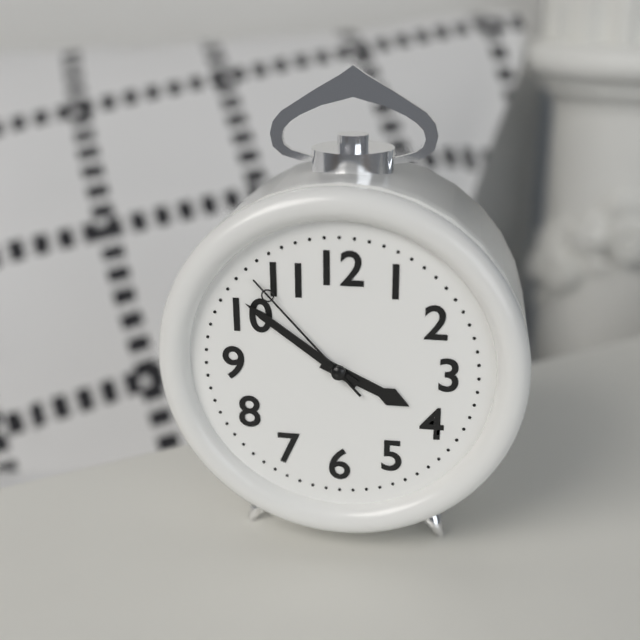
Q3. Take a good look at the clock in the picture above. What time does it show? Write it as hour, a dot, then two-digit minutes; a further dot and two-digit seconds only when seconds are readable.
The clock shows 3.51.53
